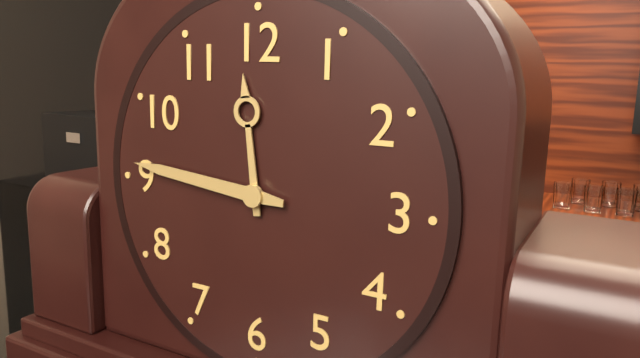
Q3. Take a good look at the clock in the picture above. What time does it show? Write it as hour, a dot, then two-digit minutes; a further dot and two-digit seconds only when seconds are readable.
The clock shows 11.46
